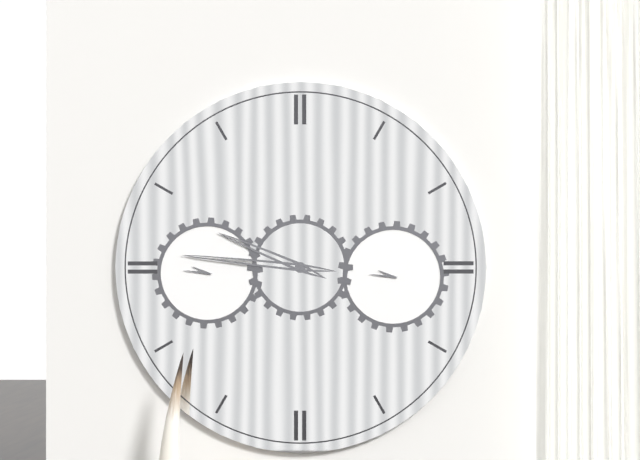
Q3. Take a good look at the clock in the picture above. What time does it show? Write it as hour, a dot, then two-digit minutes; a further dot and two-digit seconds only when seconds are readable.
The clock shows 9.46
